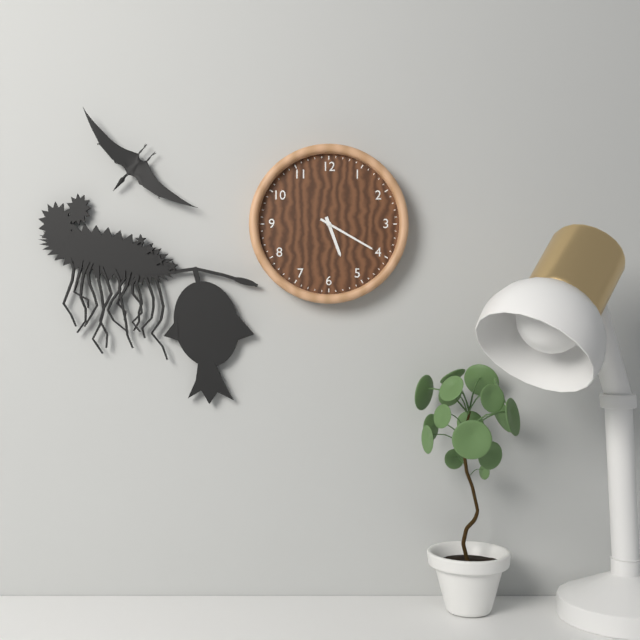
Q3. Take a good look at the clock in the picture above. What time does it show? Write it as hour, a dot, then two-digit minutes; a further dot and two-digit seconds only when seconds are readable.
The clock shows 5.20
